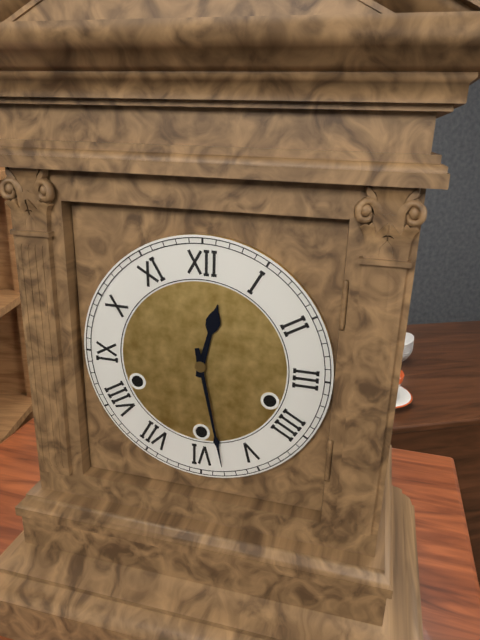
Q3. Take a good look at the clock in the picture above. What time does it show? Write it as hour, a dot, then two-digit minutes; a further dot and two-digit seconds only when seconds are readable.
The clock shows 12.28
